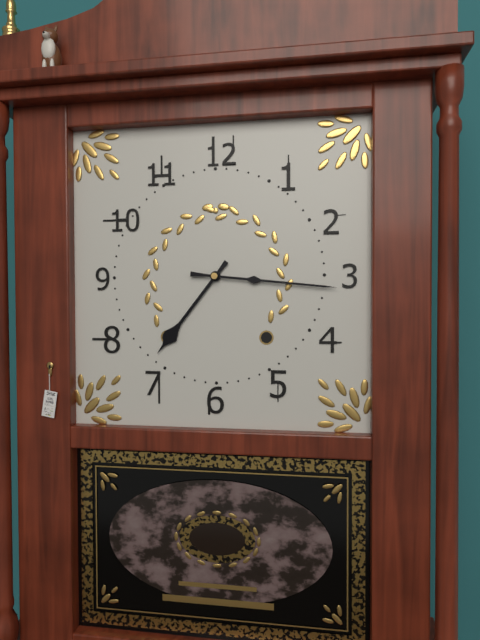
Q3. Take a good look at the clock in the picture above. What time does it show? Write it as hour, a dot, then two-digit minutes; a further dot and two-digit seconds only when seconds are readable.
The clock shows 7.16
